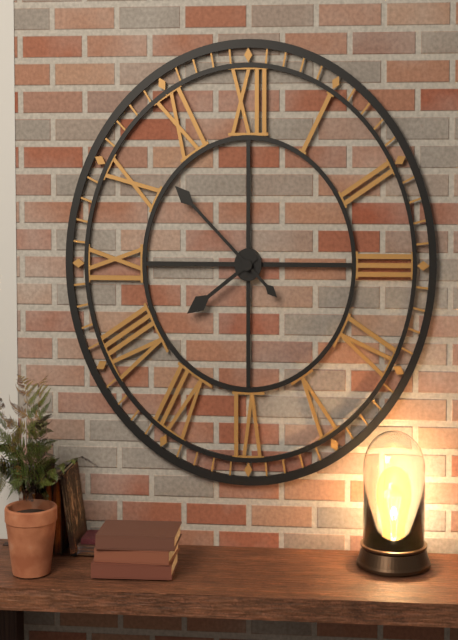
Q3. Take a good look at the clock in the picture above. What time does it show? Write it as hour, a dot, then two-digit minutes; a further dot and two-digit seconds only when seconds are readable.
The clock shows 7.52
